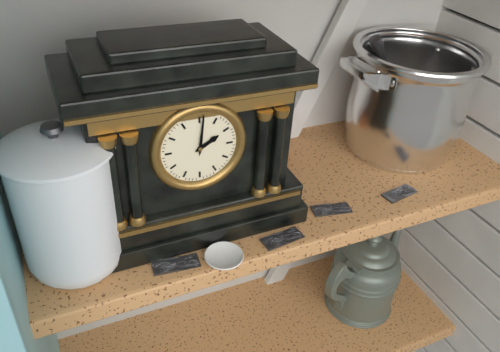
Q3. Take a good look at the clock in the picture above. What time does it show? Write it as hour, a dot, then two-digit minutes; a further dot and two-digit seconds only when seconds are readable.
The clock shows 2.01
